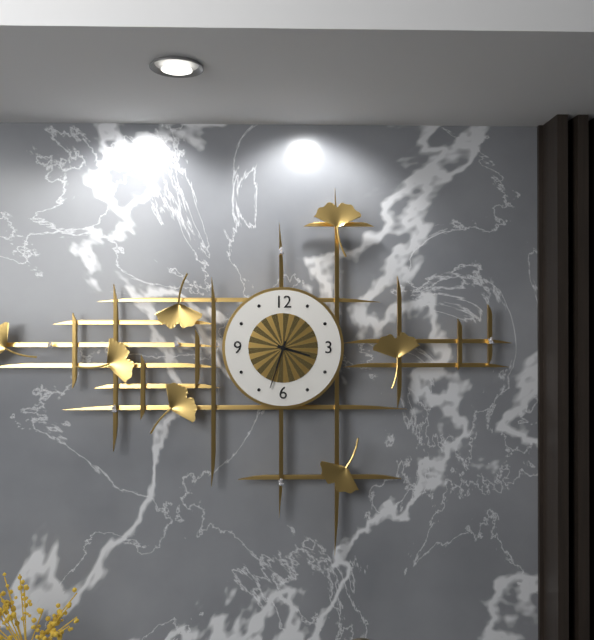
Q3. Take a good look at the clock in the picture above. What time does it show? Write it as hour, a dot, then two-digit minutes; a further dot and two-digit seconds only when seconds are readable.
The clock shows 3.33
